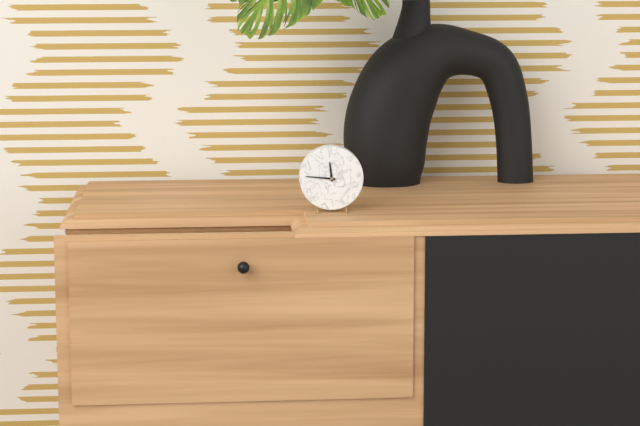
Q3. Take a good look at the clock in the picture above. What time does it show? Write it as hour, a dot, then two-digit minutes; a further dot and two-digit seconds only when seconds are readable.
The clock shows 11.46
